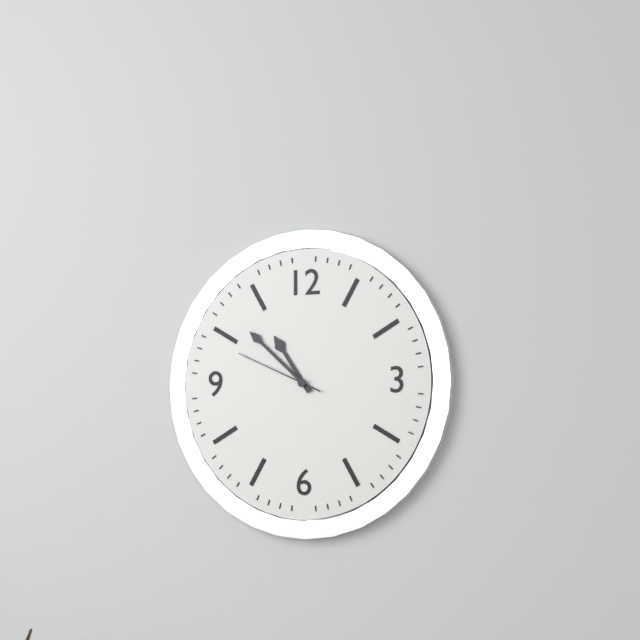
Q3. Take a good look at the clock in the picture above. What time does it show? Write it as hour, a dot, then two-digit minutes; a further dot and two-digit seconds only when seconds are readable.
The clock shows 10.52.49
